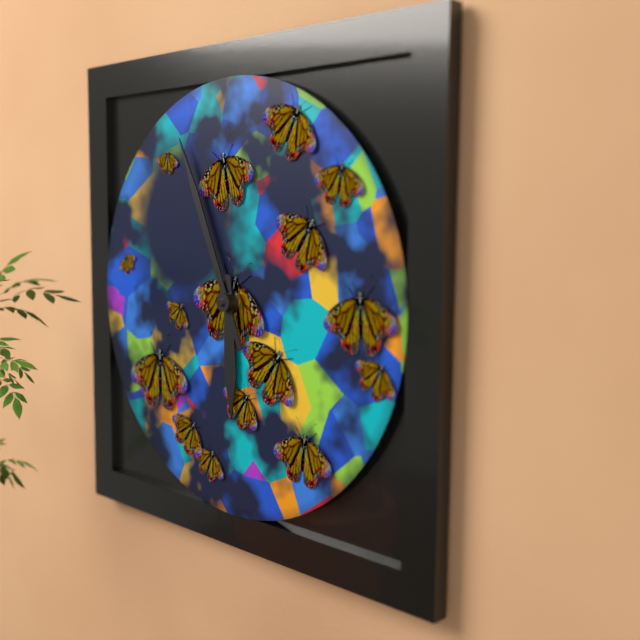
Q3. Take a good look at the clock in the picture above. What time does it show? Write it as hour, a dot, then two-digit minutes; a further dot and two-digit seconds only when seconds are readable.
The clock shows 5.56
